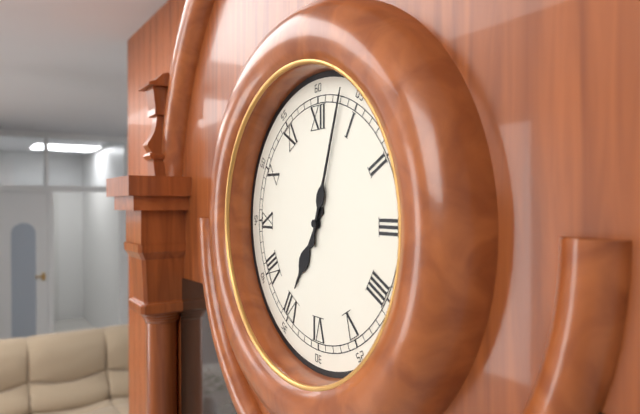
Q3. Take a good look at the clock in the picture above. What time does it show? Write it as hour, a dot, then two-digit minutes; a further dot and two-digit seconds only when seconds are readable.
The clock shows 7.03
